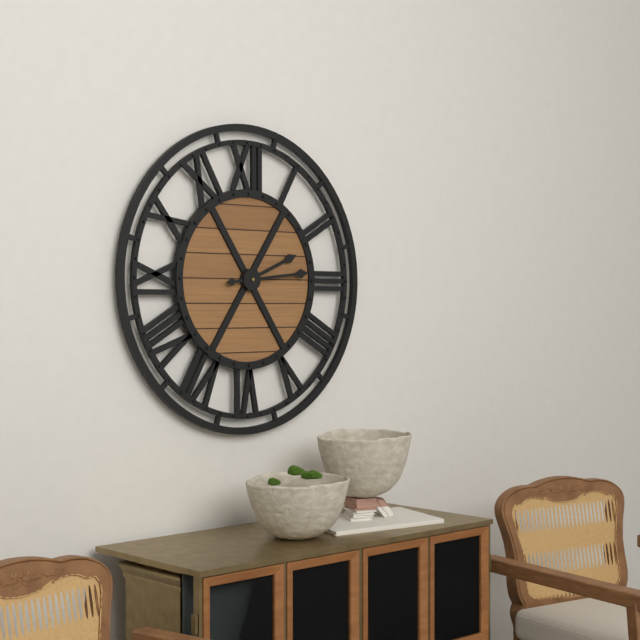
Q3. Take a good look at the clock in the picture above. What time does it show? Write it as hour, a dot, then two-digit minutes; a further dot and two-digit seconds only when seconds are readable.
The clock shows 2.14
